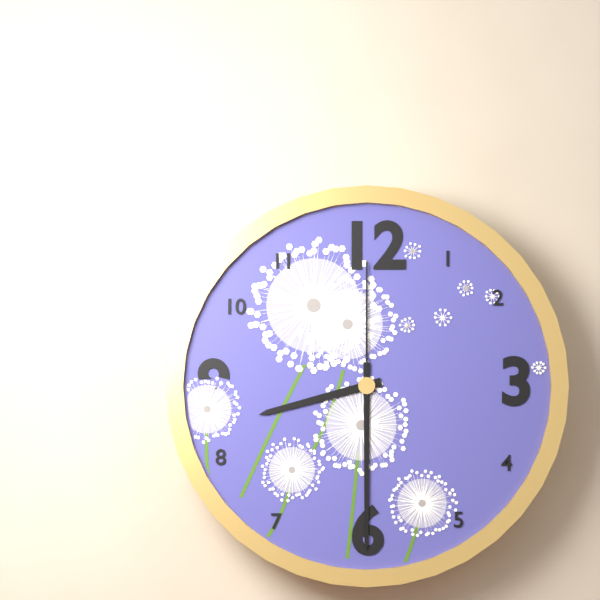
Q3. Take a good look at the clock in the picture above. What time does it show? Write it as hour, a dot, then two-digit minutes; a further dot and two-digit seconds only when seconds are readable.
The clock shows 8.30.00
